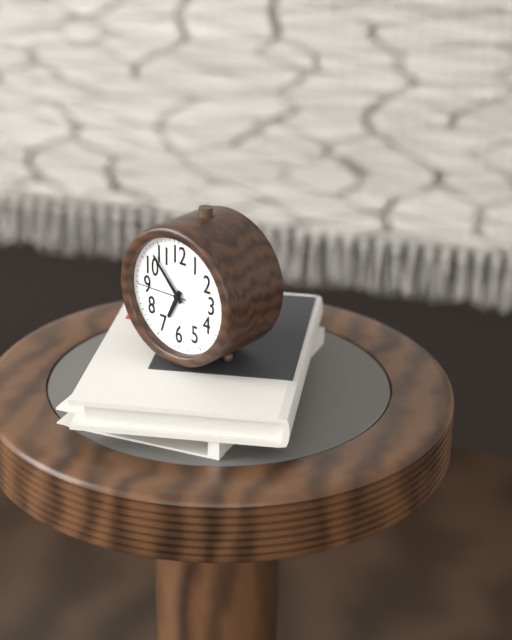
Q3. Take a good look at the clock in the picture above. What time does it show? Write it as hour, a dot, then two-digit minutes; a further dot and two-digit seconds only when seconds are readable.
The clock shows 6.53.45
